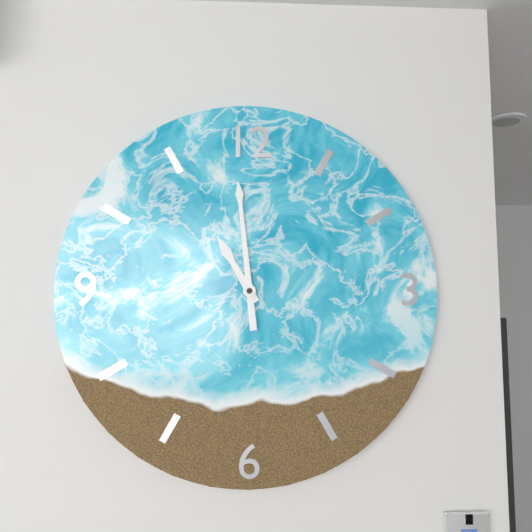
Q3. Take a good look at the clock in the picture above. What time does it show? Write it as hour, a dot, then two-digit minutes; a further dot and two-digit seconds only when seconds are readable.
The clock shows 10.59
